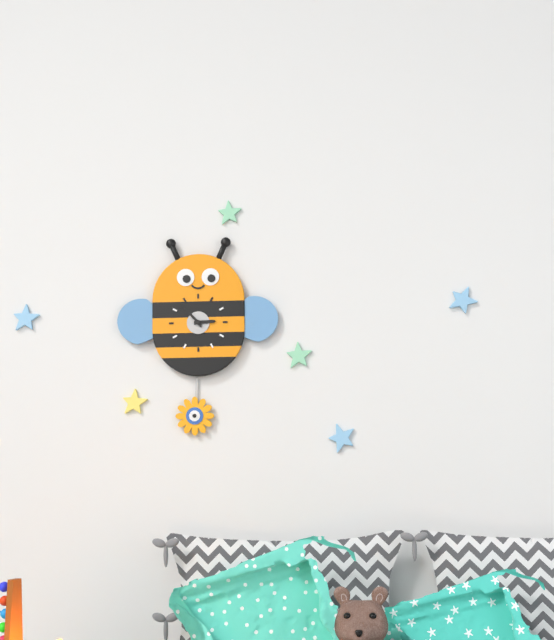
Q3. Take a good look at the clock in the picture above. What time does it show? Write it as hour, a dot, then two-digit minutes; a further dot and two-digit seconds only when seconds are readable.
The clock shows 2.53
